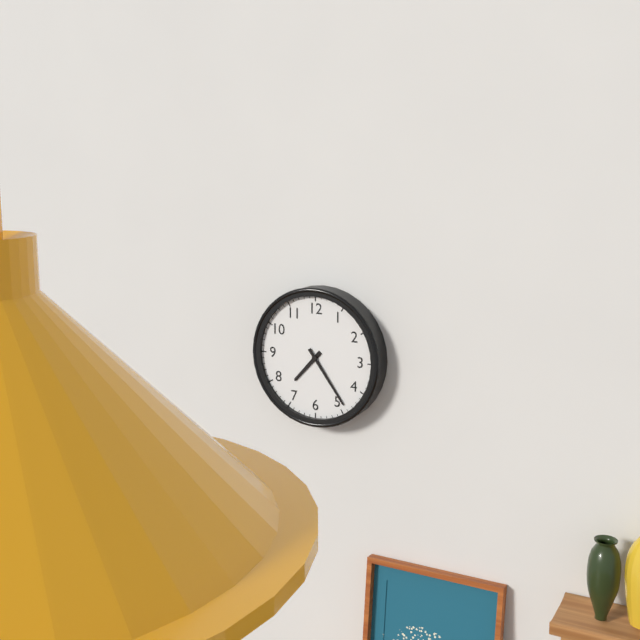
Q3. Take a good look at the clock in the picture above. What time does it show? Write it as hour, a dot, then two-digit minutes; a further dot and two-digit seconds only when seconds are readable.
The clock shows 7.24
